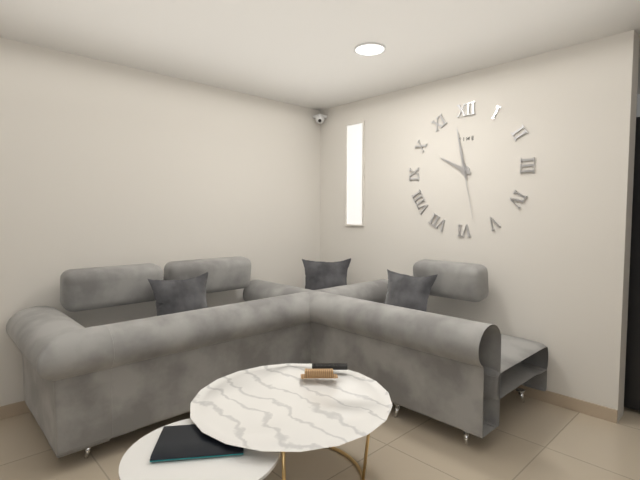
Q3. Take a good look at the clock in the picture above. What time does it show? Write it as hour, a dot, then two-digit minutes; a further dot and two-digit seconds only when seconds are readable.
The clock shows 9.58.28
